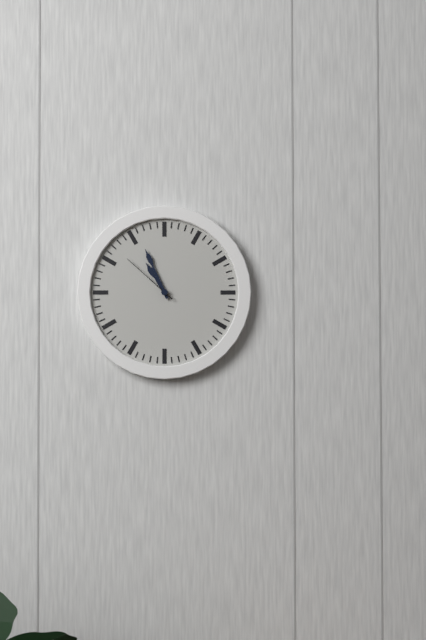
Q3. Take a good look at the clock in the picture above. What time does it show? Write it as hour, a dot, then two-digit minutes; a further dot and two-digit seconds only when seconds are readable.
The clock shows 10.56.52
